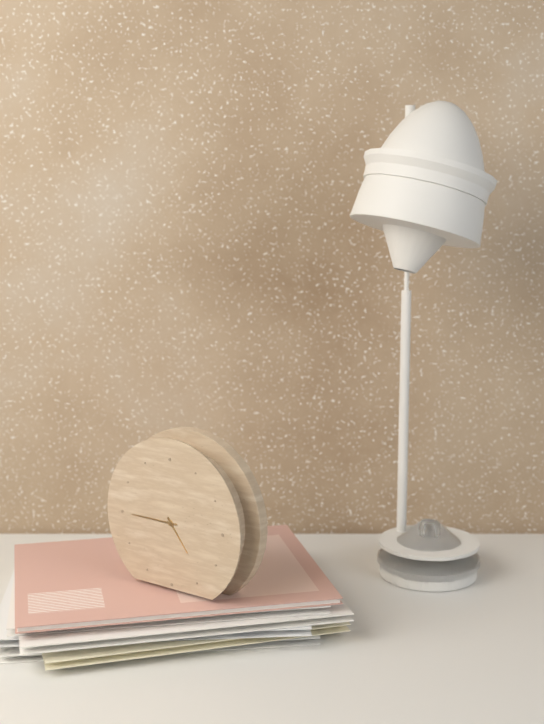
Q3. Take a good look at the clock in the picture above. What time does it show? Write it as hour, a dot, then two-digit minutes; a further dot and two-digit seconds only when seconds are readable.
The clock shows 4.45
